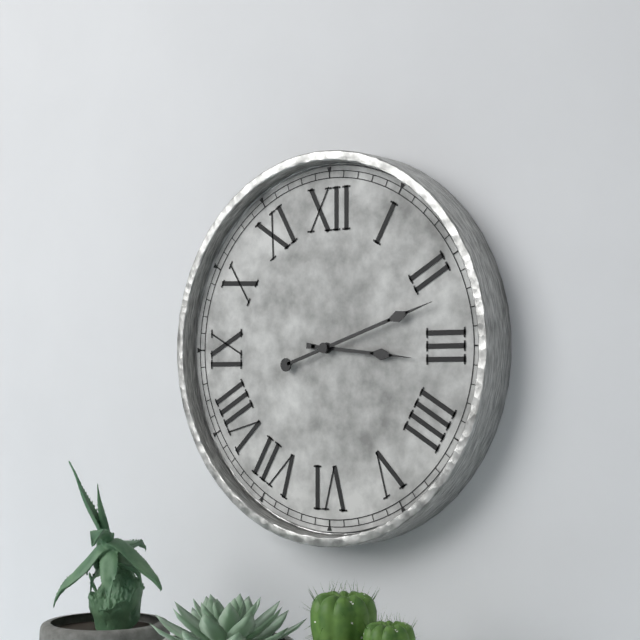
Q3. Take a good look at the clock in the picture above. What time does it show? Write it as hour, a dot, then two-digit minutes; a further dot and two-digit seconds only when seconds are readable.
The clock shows 3.12
